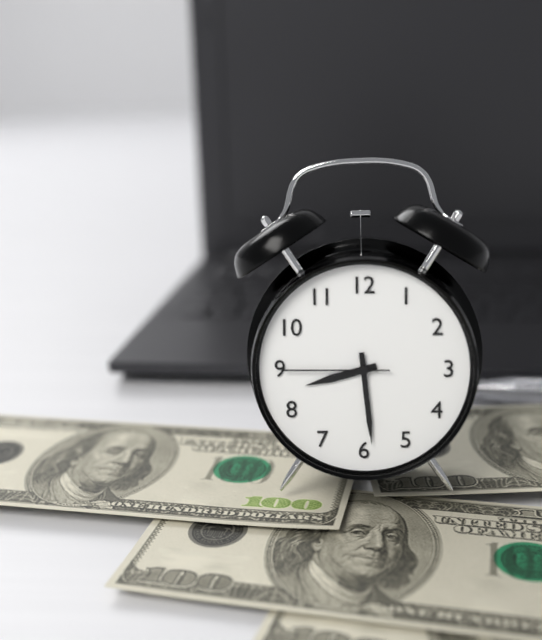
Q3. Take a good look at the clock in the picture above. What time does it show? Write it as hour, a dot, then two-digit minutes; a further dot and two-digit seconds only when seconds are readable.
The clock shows 8.29.45
